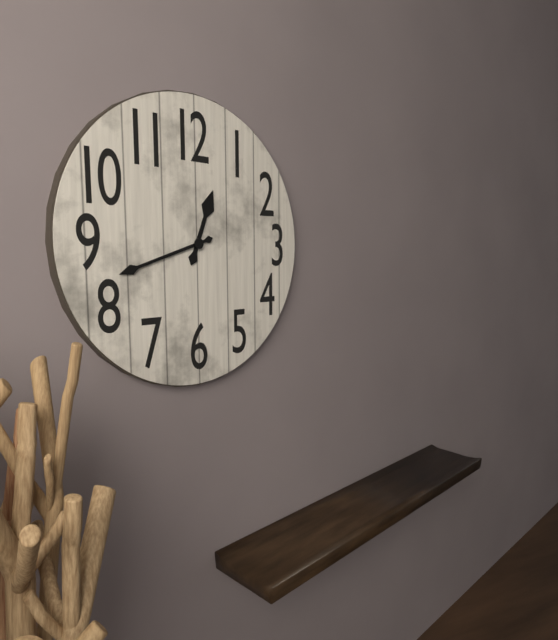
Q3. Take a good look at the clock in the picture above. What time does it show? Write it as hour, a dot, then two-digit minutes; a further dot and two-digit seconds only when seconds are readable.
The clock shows 12.42
